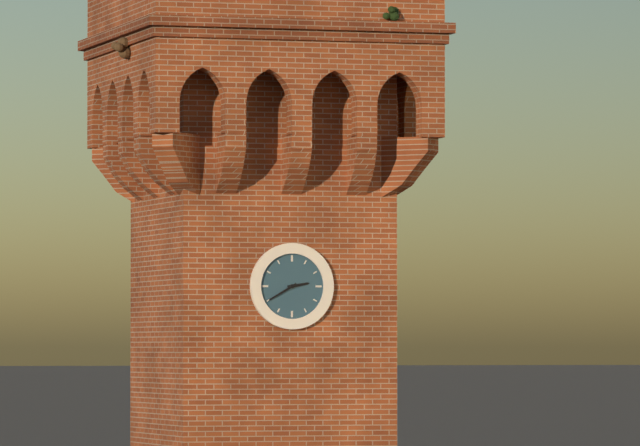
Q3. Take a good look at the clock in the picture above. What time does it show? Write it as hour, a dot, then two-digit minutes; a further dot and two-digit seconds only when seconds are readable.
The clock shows 2.40
